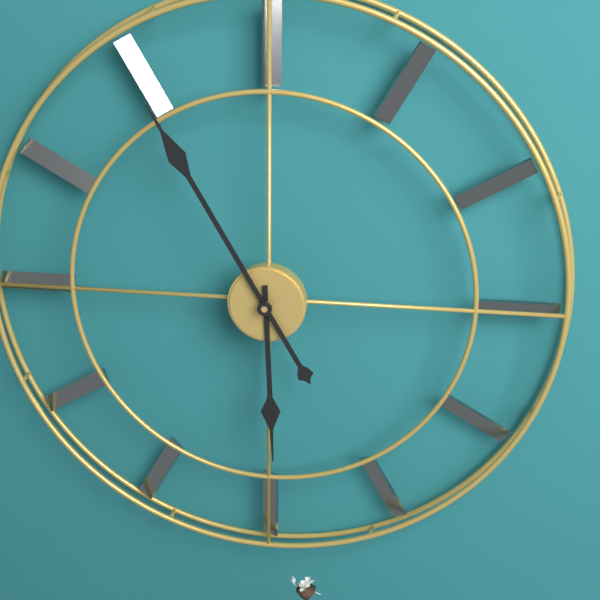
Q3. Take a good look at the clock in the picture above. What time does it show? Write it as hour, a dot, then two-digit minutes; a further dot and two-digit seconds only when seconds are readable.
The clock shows 5.55
